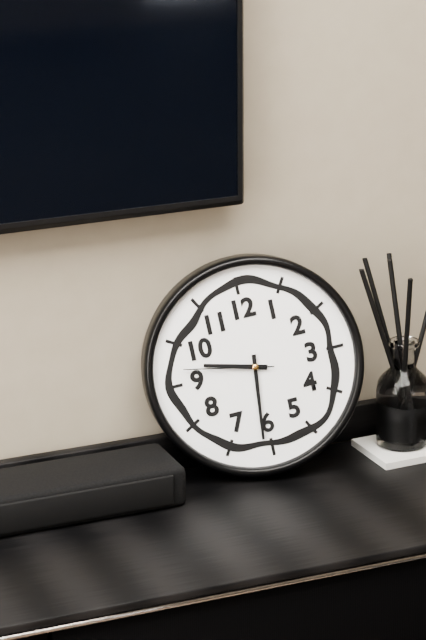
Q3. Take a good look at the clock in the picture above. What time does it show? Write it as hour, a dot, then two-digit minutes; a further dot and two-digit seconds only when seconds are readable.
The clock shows 9.31.47
